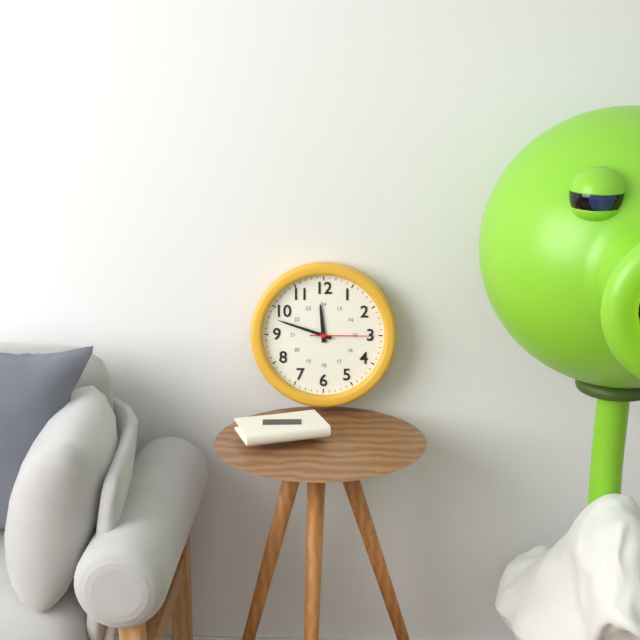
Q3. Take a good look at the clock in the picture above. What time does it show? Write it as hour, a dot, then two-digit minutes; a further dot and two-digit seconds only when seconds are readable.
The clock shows 11.48.15
